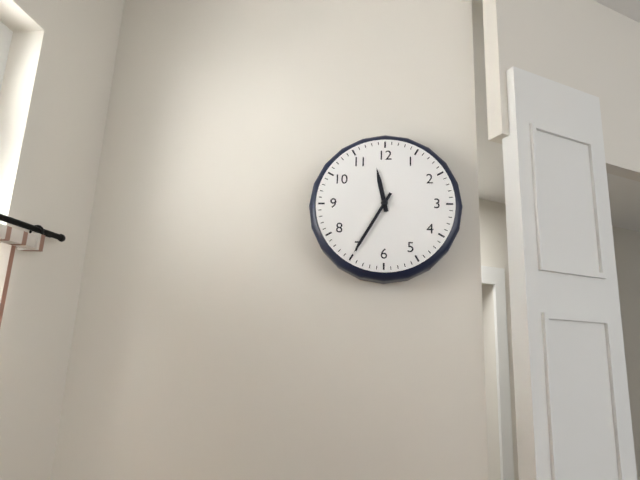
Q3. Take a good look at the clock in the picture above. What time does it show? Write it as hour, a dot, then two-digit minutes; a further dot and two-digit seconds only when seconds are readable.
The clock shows 11.35
